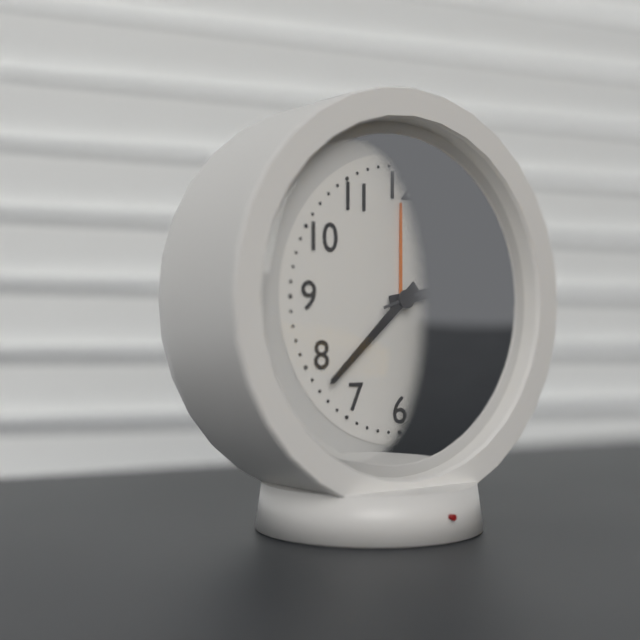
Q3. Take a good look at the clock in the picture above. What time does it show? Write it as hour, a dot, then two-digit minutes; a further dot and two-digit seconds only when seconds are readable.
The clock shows 2.38.12
